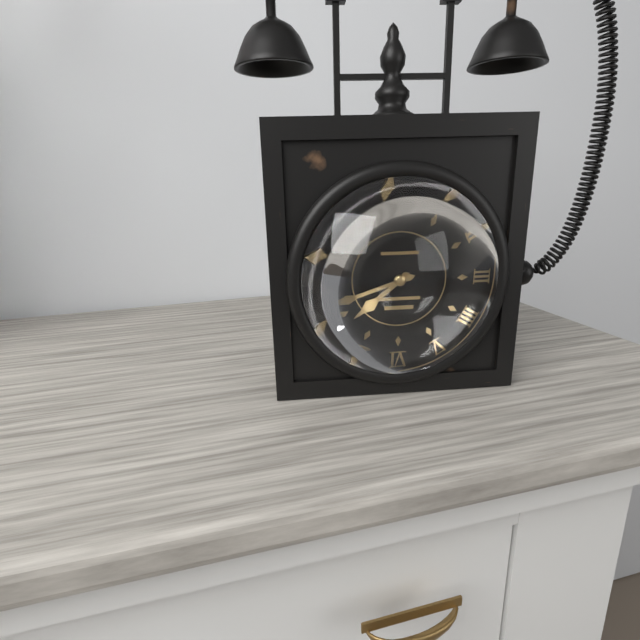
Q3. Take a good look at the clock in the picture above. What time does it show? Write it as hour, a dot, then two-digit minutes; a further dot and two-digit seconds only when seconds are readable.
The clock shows 7.42
